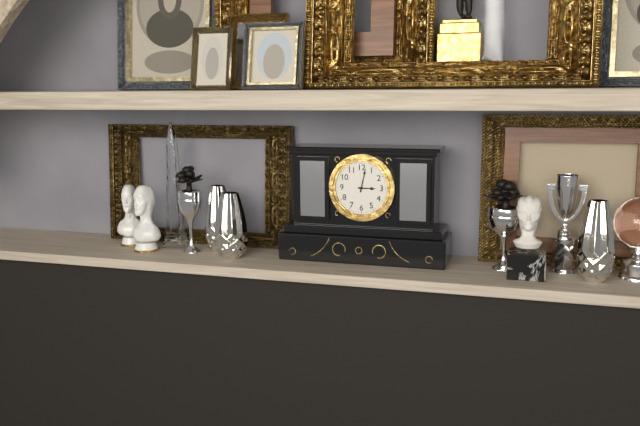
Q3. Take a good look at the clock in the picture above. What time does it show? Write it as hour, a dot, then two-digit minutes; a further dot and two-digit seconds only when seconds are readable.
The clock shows 3.02
